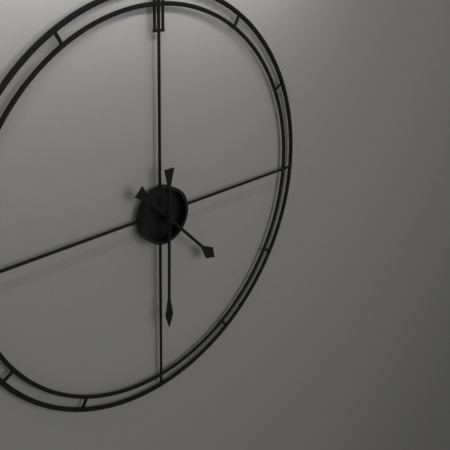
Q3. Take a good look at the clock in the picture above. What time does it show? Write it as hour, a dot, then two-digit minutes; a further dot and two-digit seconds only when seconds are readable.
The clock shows 4.30
